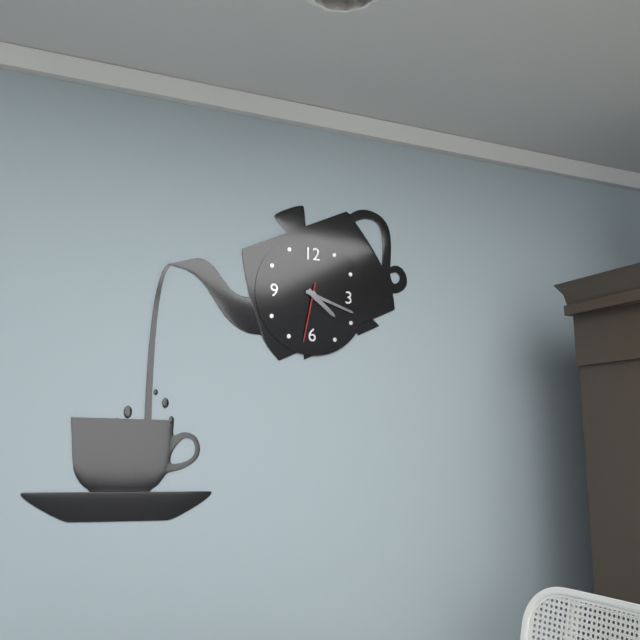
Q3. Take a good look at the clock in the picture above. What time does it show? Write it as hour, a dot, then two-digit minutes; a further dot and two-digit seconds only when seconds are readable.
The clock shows 4.18.32
